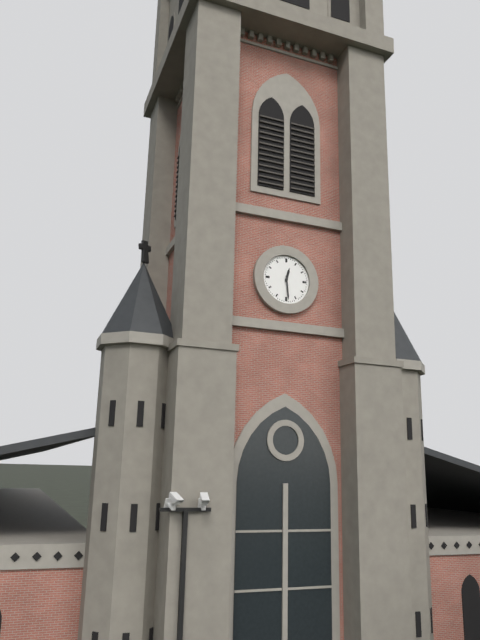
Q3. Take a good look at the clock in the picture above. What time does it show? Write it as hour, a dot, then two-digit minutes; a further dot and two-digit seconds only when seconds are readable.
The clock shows 12.29
